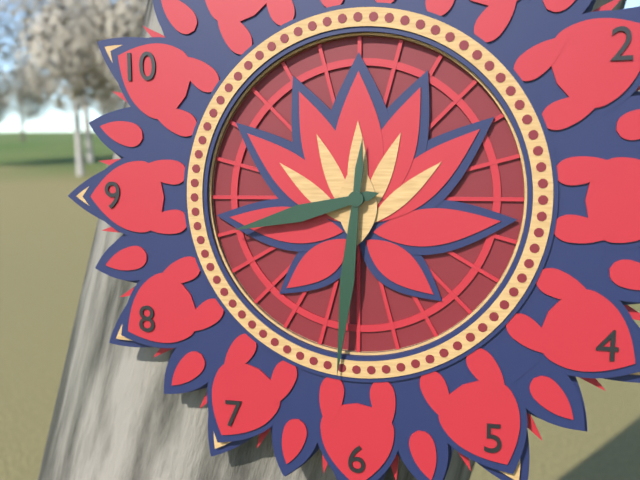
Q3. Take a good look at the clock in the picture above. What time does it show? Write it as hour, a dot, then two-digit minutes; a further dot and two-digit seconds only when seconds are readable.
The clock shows 8.31
